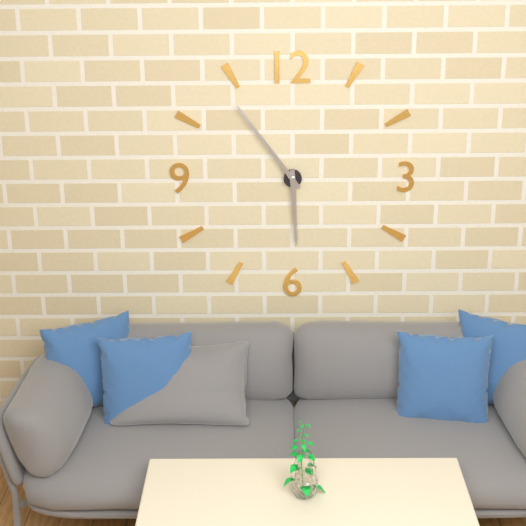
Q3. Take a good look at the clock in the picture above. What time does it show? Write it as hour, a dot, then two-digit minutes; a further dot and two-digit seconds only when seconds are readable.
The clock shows 5.54
